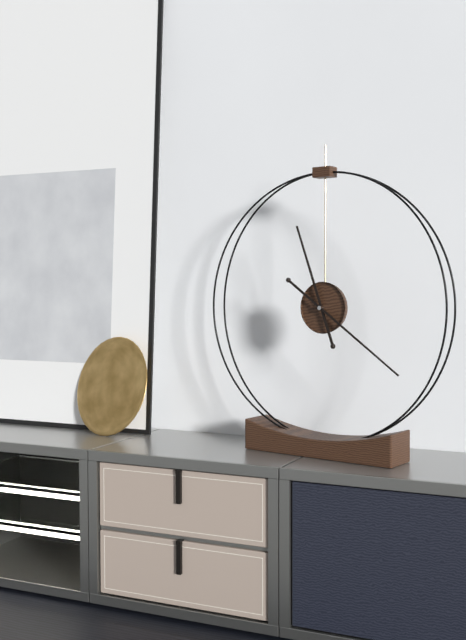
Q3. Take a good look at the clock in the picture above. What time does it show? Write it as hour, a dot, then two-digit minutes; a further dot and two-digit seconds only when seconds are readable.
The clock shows 11.21
